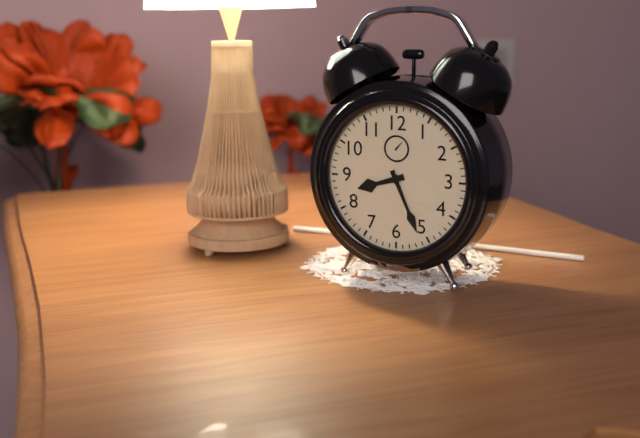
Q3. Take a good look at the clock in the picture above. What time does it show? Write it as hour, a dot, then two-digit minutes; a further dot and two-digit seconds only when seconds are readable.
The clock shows 8.26
